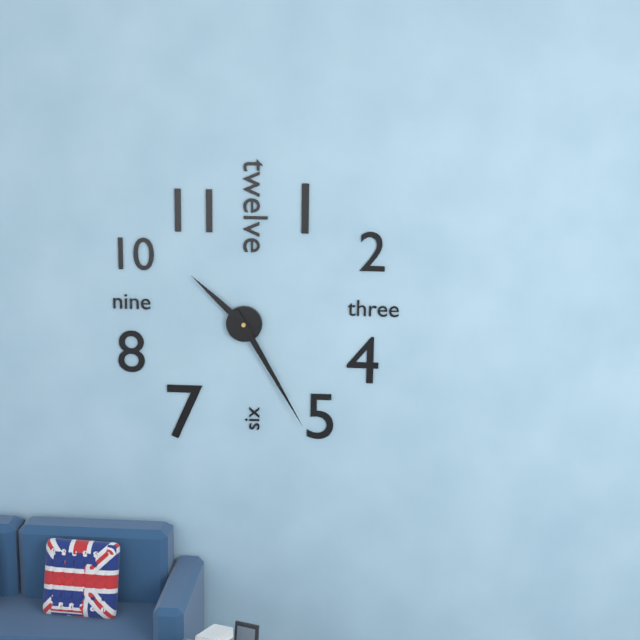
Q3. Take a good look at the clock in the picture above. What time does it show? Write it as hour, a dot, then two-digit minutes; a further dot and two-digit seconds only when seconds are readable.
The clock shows 10.25
